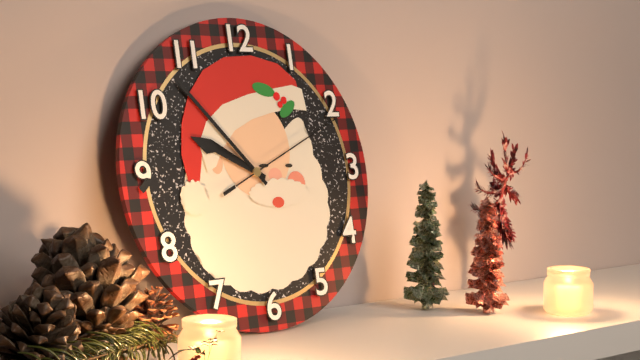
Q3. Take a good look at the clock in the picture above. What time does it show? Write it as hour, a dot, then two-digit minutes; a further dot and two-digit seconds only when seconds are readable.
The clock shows 9.53.11
